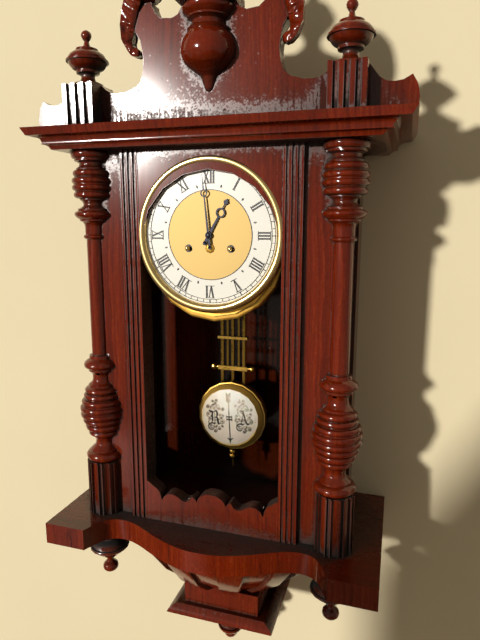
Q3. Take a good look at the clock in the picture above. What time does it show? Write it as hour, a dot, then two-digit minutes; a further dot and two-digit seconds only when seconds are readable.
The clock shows 12.59
